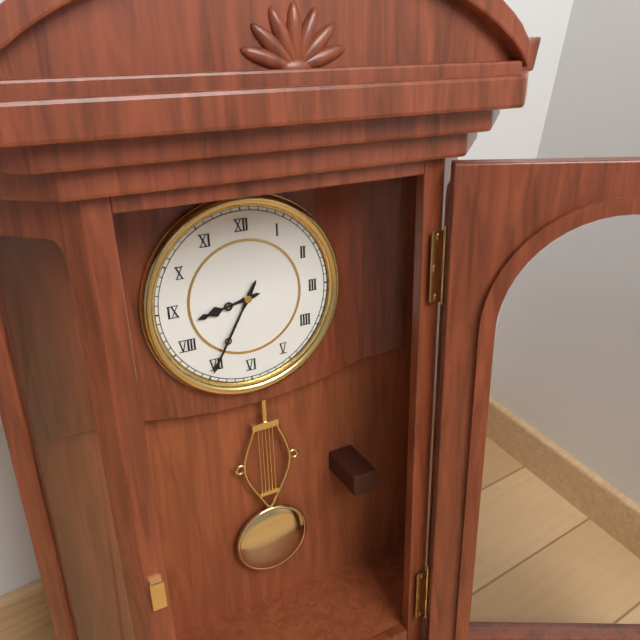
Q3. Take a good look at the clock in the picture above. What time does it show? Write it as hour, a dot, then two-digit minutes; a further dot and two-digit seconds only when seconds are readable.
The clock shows 8.35
